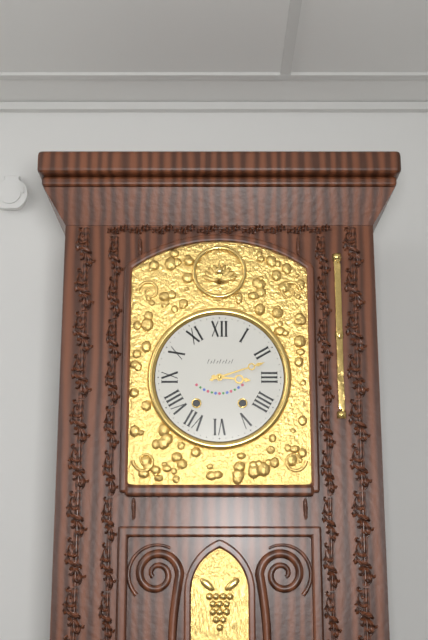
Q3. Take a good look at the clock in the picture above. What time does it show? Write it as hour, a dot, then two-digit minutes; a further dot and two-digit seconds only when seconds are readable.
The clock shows 3.12
